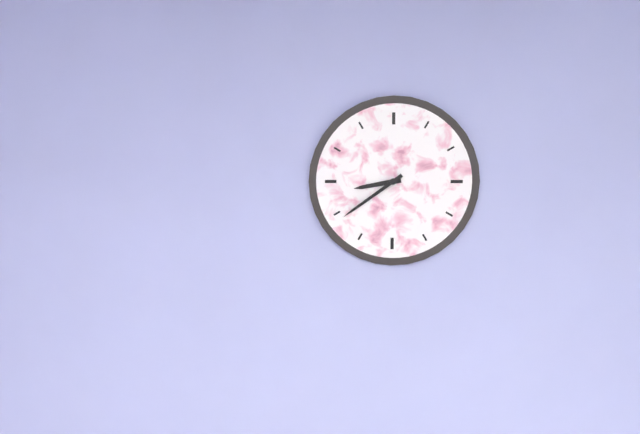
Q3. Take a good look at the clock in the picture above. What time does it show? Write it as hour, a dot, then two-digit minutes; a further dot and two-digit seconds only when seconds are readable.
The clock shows 8.39
